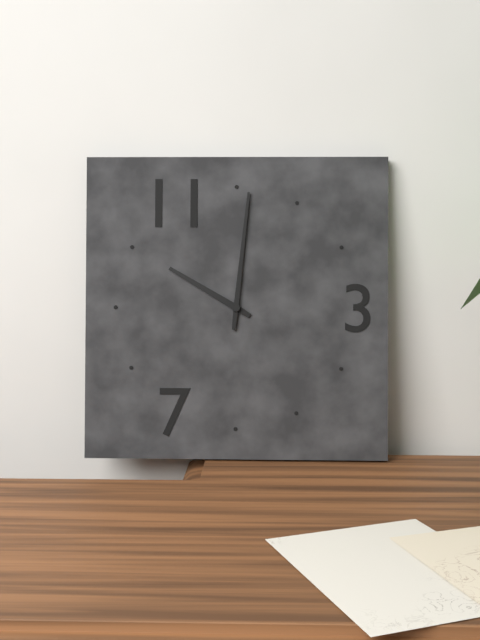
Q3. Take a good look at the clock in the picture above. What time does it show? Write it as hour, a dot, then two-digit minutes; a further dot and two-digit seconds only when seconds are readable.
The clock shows 10.01
